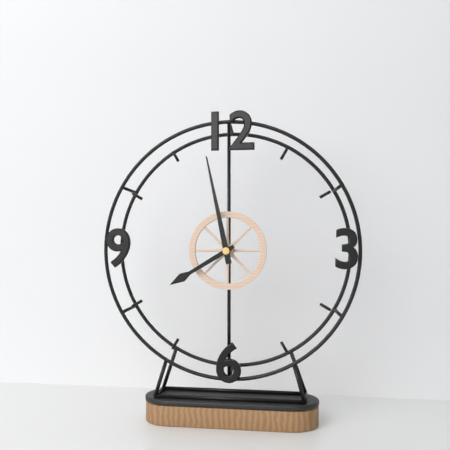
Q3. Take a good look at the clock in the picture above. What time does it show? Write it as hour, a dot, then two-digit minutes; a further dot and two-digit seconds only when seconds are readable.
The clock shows 7.58
